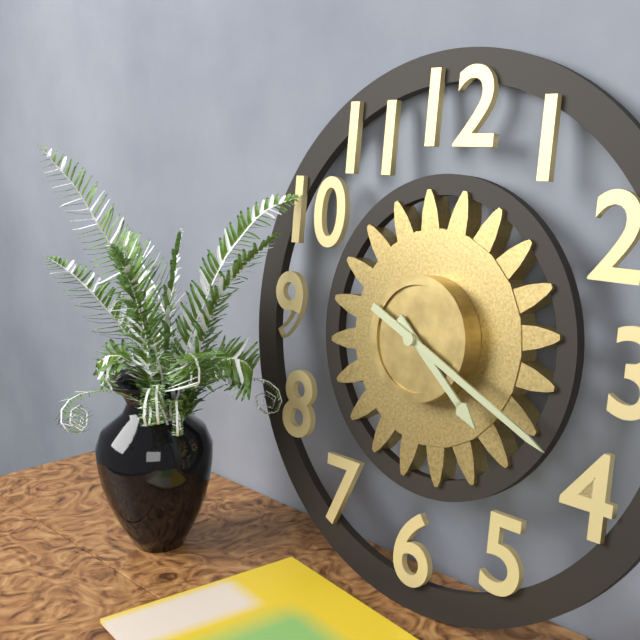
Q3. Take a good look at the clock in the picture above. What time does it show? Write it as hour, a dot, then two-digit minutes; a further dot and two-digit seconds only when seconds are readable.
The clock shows 4.19
